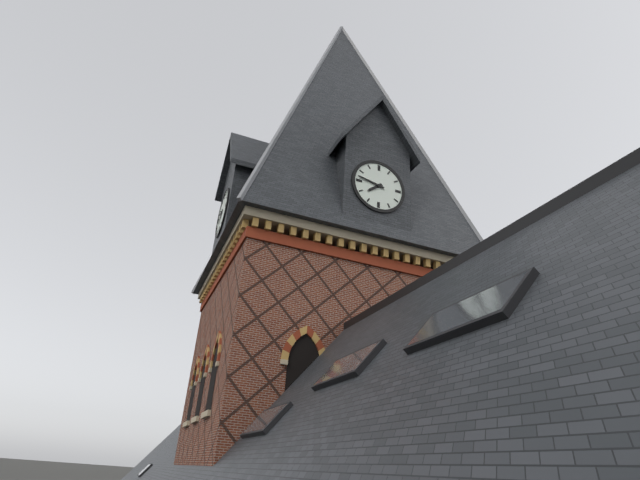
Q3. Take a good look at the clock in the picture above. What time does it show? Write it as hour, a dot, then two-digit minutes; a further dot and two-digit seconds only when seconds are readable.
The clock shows 7.47
